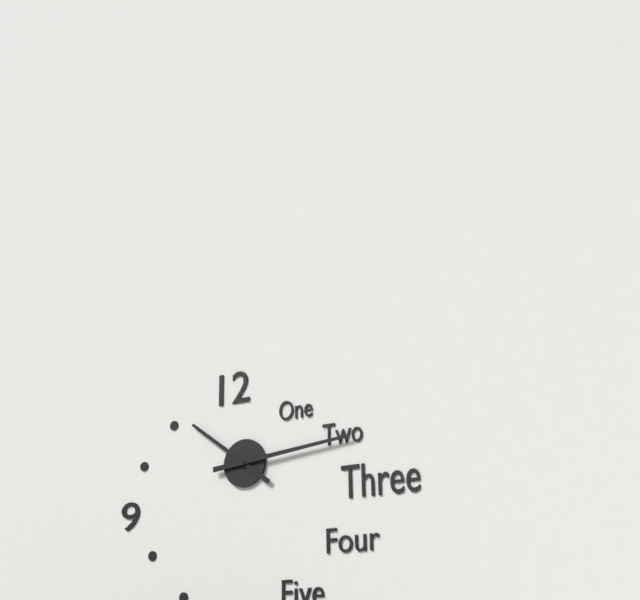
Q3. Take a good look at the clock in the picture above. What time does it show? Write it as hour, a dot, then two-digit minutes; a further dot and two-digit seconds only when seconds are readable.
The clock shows 10.14
